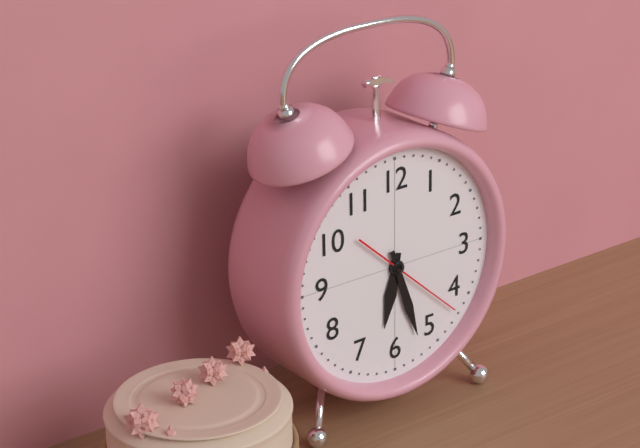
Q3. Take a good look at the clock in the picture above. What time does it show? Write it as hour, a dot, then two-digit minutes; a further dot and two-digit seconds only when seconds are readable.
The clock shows 6.27.22
